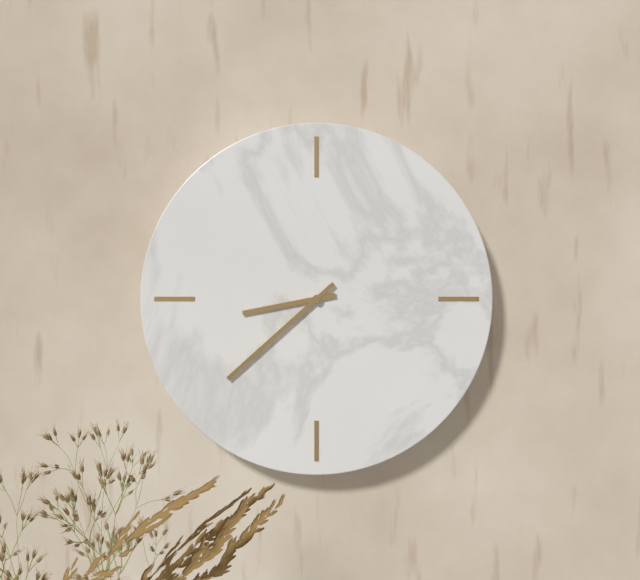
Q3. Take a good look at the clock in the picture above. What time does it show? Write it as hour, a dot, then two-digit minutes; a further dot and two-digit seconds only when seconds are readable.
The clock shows 8.38
